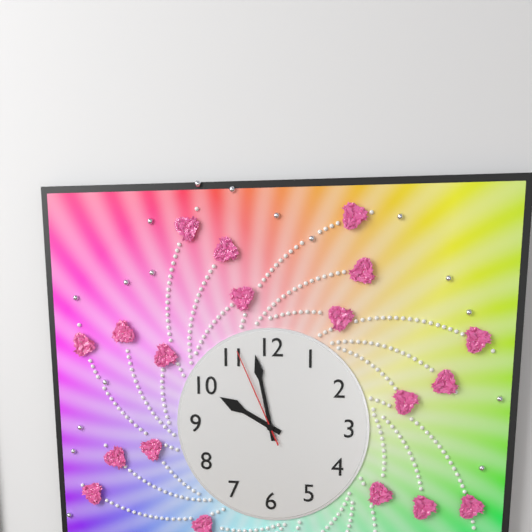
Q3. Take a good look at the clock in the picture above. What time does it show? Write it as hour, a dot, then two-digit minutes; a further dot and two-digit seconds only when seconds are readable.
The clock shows 9.58.56
